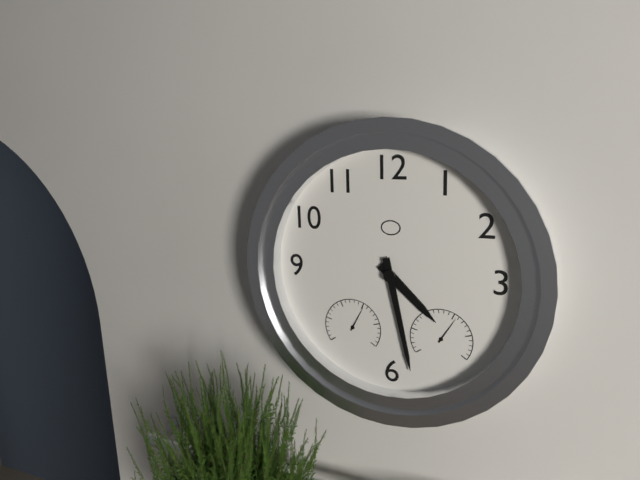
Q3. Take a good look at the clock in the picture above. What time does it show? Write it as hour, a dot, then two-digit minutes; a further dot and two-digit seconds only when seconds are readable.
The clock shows 4.28
